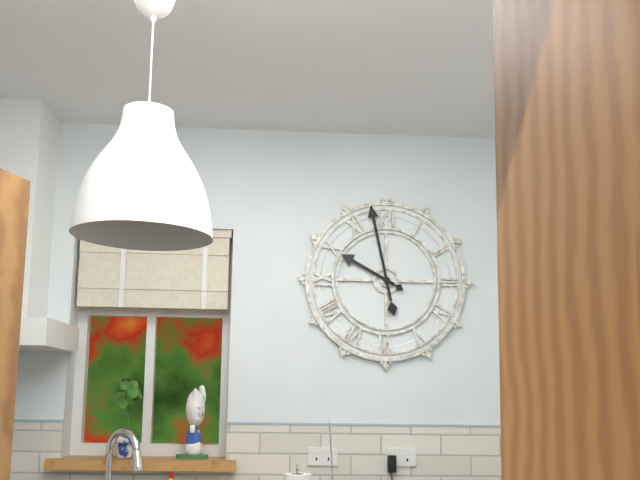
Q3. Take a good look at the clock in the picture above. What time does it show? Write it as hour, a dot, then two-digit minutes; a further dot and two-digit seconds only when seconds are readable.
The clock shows 9.58
